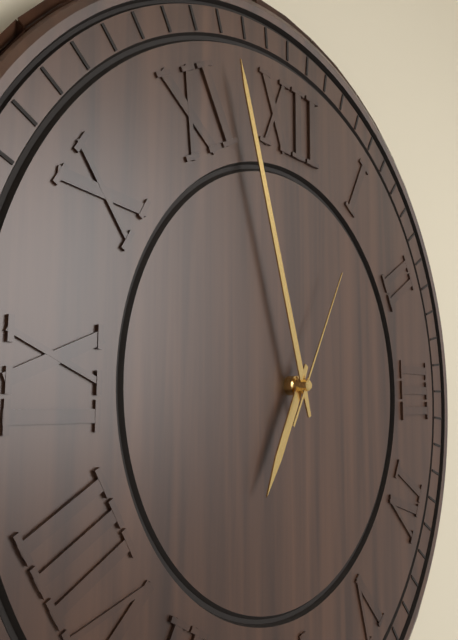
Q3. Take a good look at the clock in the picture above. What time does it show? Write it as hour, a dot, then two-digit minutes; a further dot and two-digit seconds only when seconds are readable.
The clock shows 6.57.05
